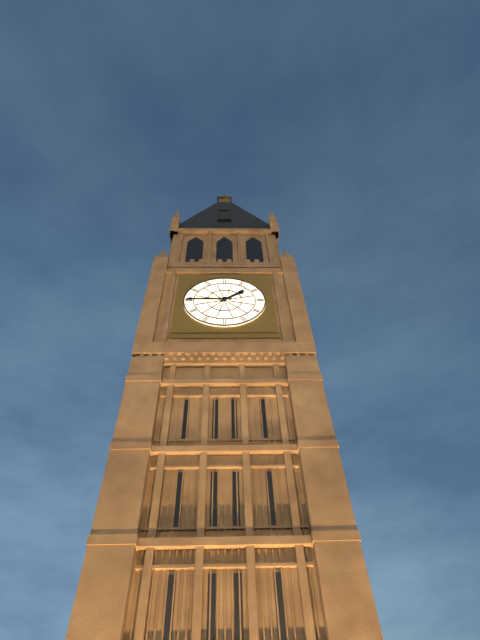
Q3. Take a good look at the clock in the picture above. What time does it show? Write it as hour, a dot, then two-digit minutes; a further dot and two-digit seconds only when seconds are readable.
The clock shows 1.45
